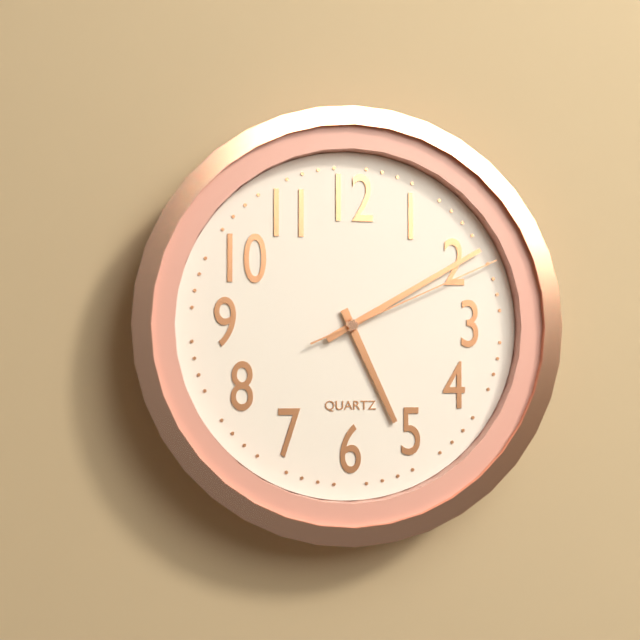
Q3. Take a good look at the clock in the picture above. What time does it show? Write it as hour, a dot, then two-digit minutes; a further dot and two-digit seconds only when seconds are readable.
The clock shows 5.10.11
